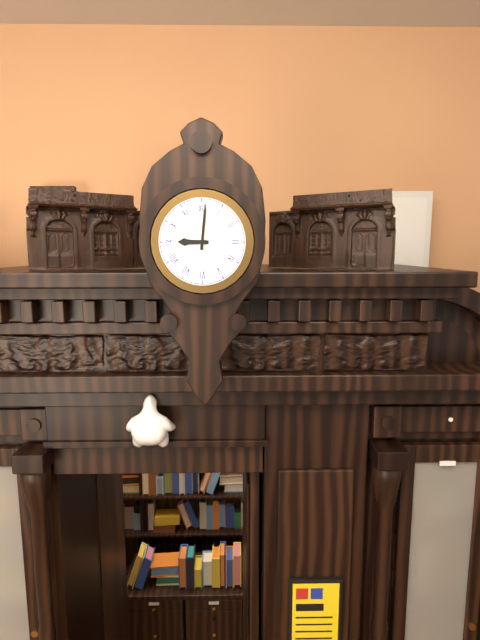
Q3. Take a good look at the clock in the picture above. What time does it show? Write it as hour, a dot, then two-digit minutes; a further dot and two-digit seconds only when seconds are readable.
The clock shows 9.01
